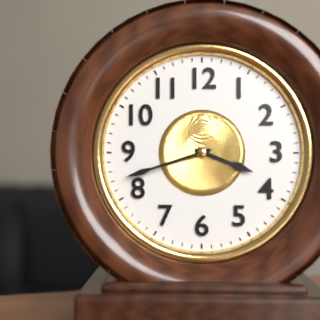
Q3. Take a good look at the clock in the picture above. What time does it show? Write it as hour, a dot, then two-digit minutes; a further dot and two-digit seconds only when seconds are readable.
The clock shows 3.42
